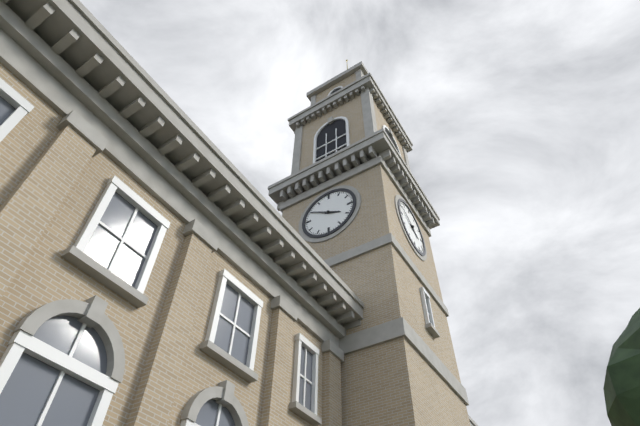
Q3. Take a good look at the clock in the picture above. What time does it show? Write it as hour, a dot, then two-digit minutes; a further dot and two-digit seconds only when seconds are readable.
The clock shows 3.50
